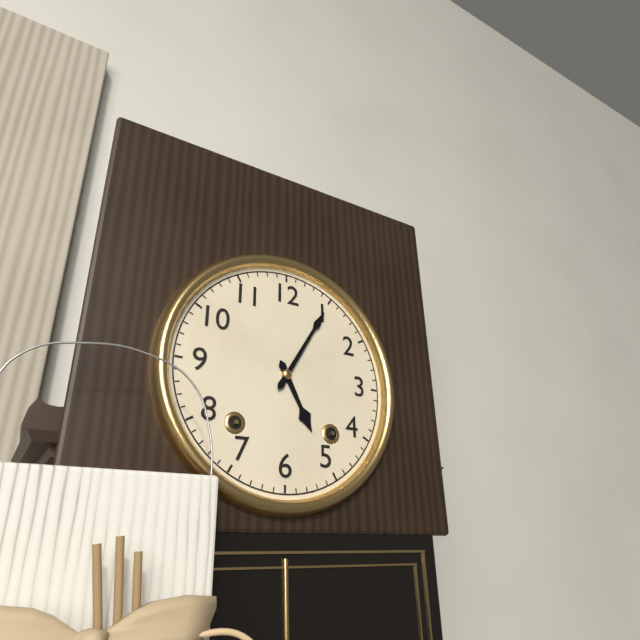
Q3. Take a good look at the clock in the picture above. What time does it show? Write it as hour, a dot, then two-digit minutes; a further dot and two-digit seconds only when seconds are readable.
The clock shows 5.05
